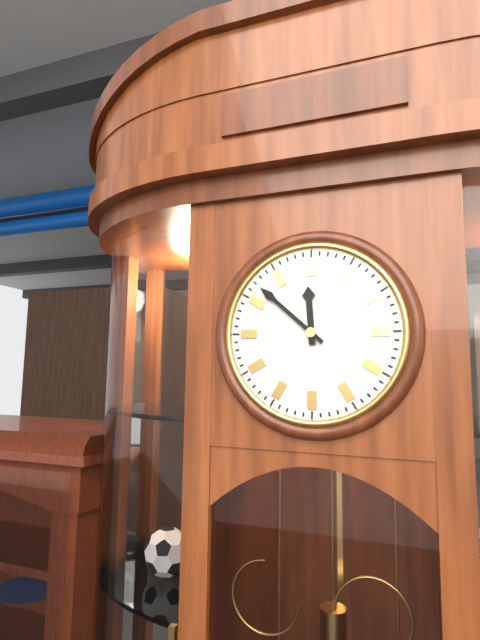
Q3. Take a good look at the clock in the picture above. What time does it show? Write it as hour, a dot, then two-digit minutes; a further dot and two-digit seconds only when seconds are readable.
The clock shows 11.52
